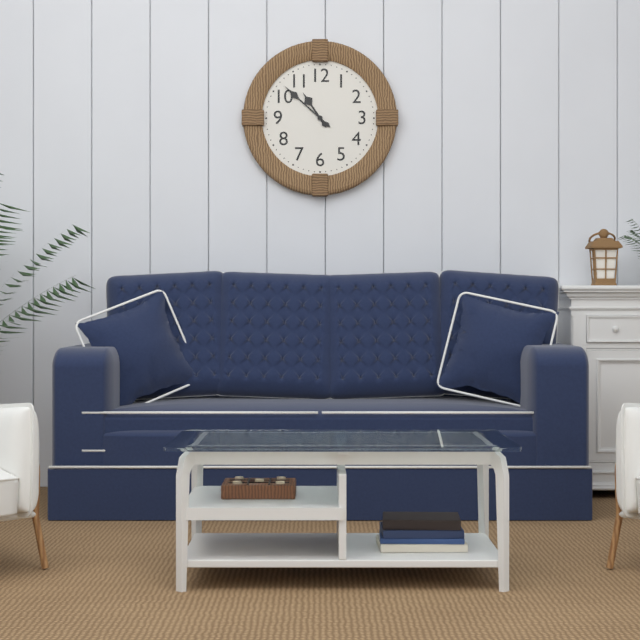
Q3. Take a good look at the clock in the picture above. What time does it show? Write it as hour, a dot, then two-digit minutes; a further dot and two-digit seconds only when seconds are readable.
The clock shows 10.52
